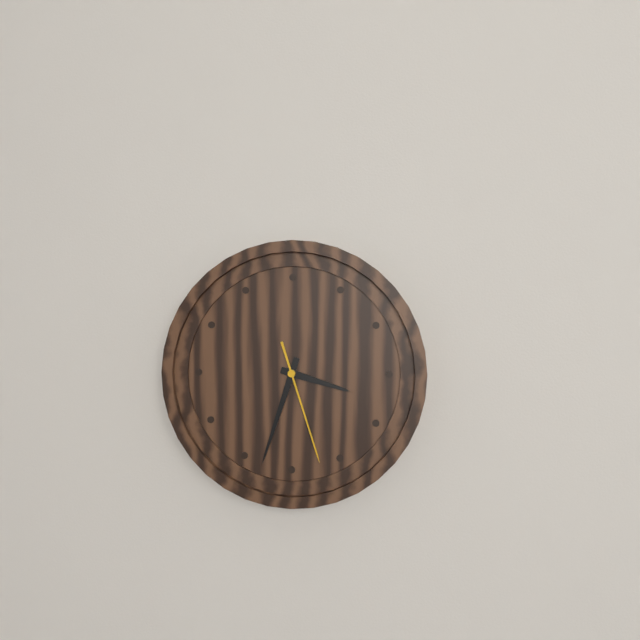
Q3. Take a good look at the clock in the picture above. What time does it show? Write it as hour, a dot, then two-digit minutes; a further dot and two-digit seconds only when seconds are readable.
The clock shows 3.33.27
